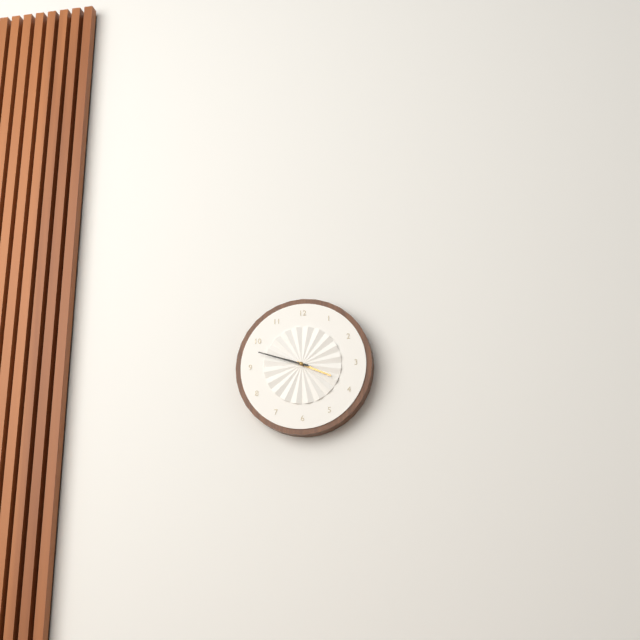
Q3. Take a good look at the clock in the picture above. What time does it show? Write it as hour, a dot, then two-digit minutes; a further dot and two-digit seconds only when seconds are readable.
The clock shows 3.48
